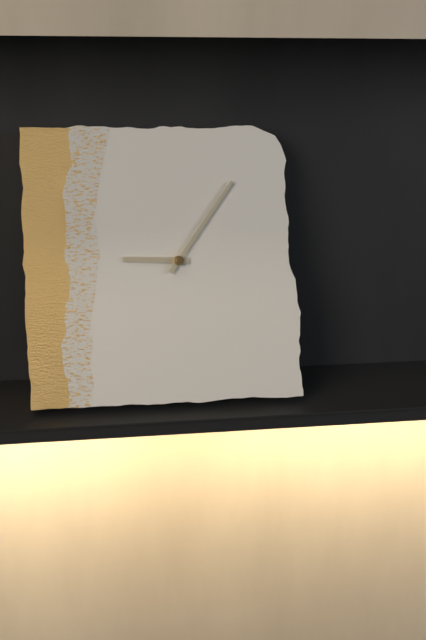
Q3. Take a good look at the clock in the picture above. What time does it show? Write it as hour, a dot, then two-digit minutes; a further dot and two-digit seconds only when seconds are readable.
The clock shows 9.06
